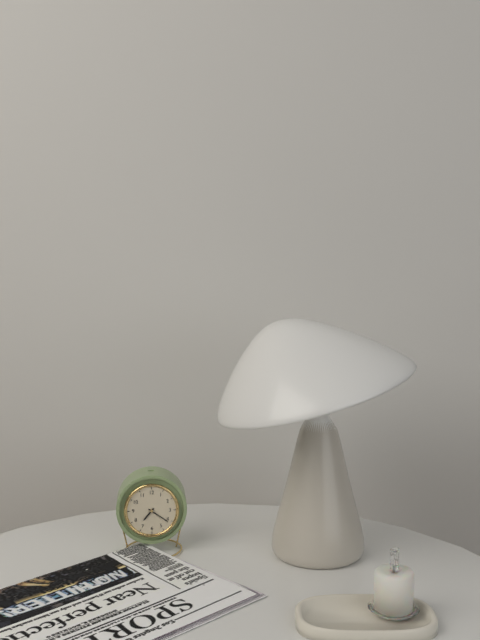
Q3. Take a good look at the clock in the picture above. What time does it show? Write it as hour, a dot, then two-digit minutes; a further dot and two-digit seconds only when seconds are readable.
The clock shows 7.21
